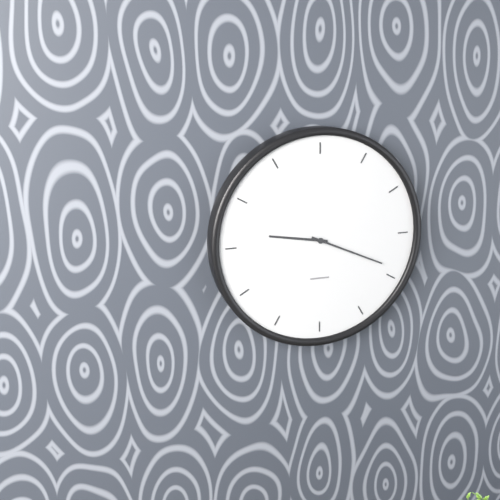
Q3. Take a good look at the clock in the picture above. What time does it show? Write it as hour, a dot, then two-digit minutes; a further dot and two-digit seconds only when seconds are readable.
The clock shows 9.19
